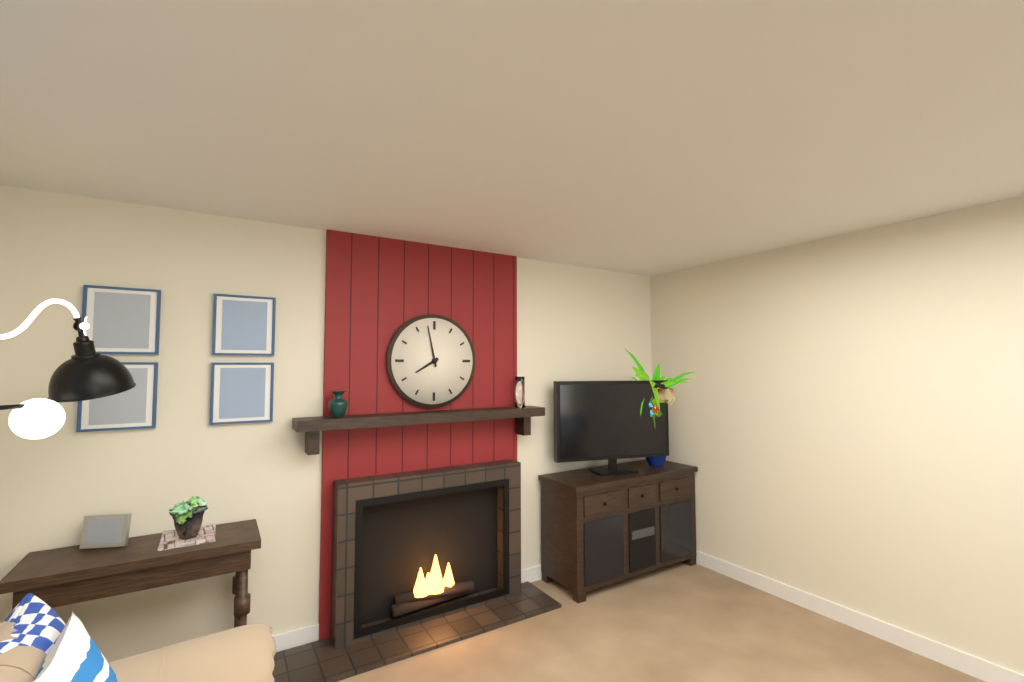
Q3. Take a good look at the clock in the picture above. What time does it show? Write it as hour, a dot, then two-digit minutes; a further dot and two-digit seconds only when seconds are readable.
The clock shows 7.58
